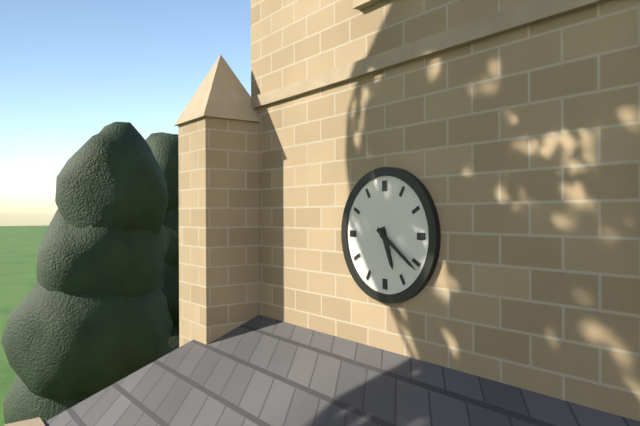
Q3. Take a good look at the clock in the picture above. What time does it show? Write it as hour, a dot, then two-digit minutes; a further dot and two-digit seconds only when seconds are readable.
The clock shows 5.21
